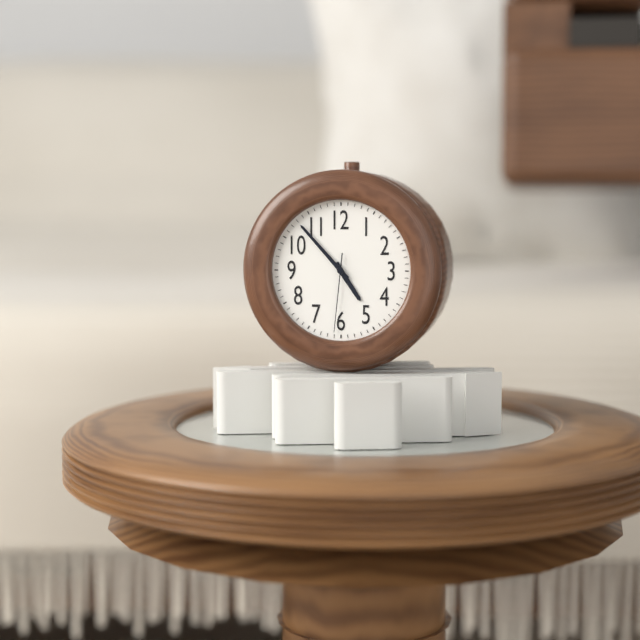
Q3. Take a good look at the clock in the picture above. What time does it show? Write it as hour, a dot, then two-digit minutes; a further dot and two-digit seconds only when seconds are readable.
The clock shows 4.53.31
